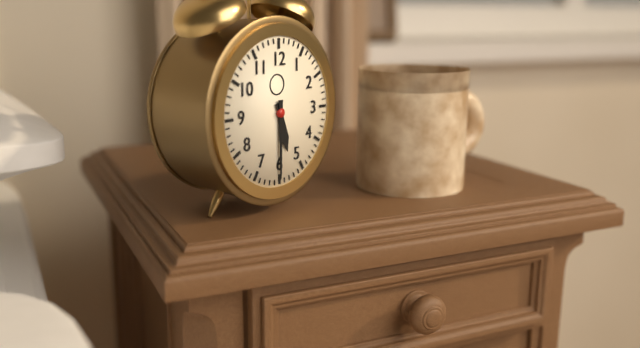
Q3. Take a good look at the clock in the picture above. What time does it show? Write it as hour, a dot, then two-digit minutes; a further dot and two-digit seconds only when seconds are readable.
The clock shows 5.30
